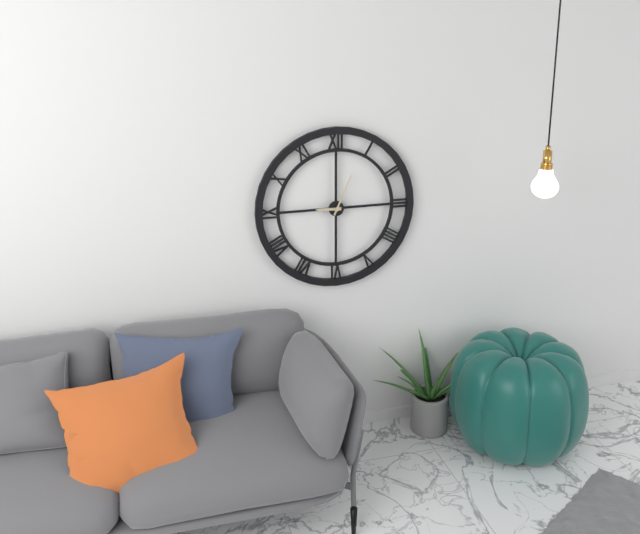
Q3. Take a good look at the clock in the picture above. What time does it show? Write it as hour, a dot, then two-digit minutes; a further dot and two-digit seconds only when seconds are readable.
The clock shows 9.04
